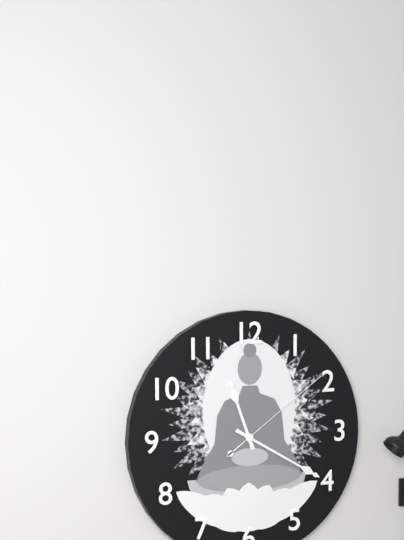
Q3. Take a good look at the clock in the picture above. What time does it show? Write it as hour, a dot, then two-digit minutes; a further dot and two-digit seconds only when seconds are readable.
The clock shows 11.20.09
